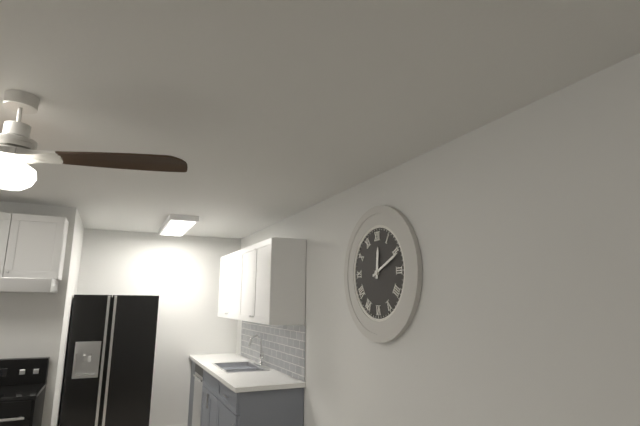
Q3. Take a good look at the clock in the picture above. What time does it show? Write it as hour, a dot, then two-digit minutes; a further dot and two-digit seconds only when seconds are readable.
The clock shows 12.11
